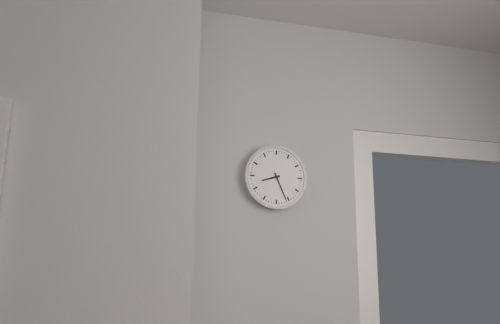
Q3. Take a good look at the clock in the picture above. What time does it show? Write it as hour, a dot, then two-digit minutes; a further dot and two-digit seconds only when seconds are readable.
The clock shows 8.26
